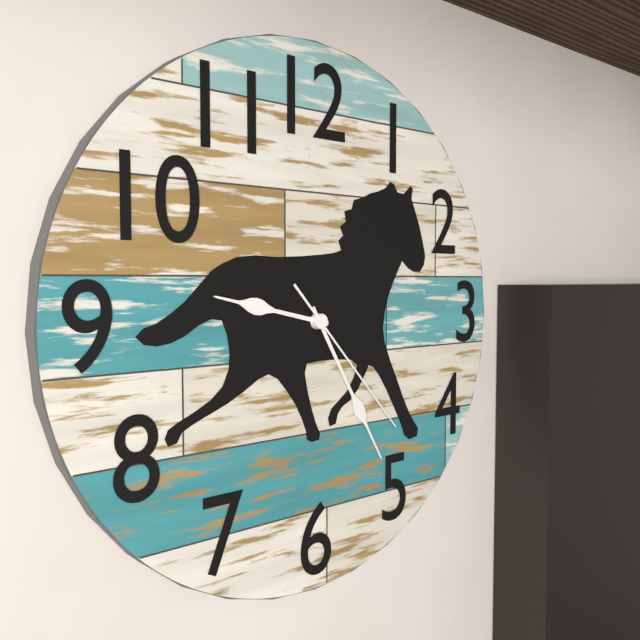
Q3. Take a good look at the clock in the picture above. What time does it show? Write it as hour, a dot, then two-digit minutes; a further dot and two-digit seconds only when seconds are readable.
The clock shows 9.25.23
